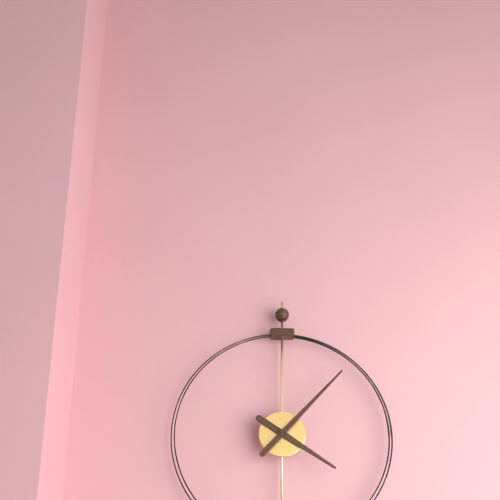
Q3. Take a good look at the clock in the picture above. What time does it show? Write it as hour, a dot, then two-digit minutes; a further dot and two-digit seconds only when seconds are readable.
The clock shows 4.07
